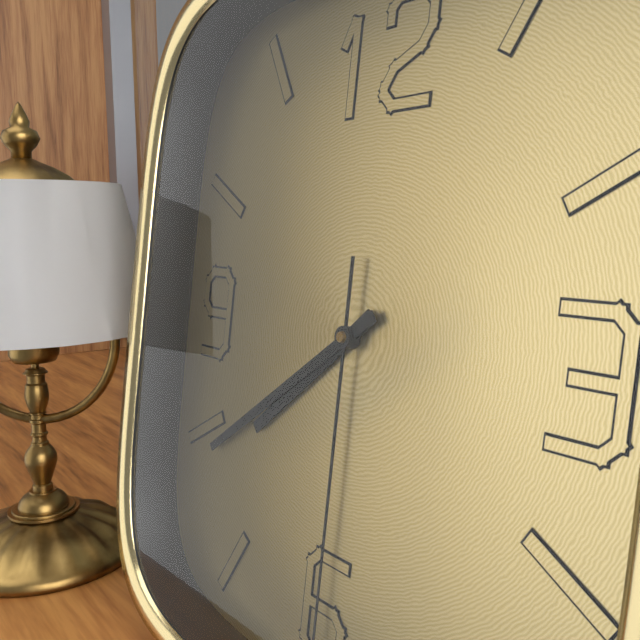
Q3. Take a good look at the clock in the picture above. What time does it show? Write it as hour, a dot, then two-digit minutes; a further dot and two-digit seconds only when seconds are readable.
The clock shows 7.39
